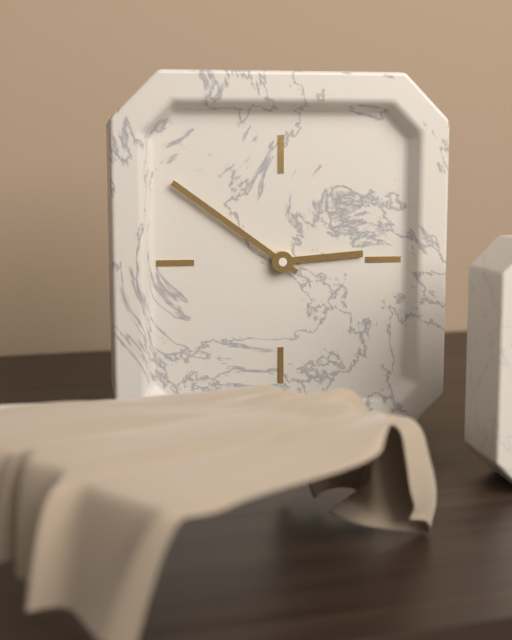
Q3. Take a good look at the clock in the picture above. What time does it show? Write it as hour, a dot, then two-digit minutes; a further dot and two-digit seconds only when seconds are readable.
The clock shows 2.51
